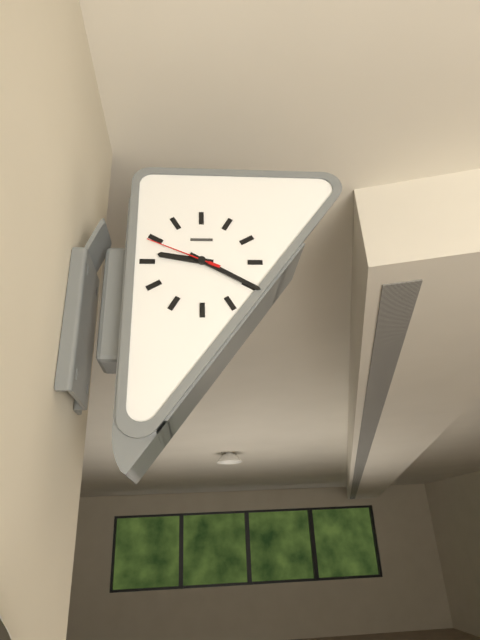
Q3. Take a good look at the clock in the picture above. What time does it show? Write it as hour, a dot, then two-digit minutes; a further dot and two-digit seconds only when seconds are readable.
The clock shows 9.20.49
